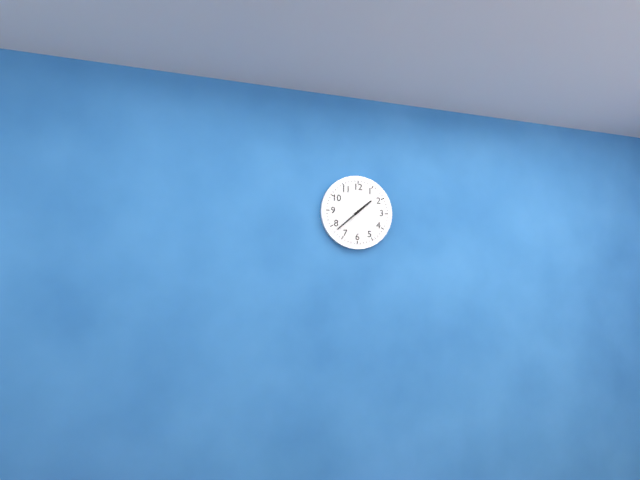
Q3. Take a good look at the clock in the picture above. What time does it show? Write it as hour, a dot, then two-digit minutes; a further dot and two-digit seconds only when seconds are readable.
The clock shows 1.38
